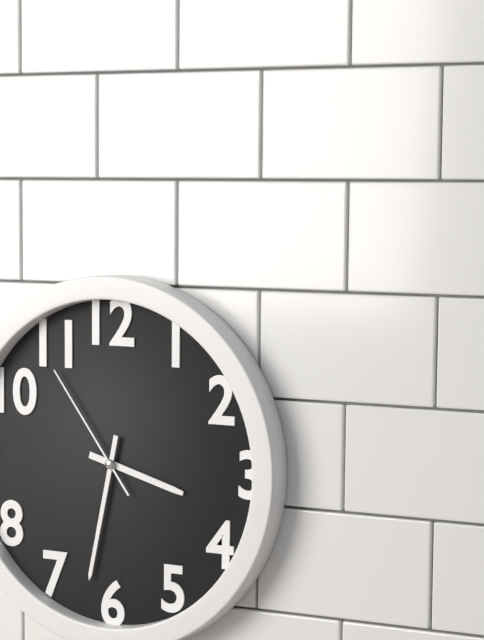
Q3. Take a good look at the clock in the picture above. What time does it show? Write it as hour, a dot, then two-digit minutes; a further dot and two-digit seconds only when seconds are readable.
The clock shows 3.32.54
